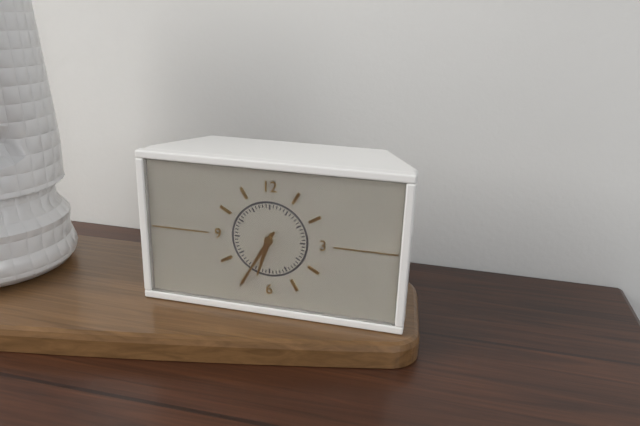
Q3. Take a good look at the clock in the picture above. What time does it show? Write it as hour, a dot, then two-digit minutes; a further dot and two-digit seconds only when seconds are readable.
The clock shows 6.35
